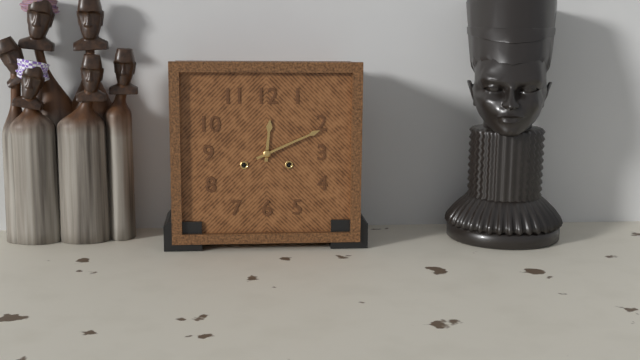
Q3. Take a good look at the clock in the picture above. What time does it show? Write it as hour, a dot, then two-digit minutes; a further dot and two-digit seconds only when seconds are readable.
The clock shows 12.11
